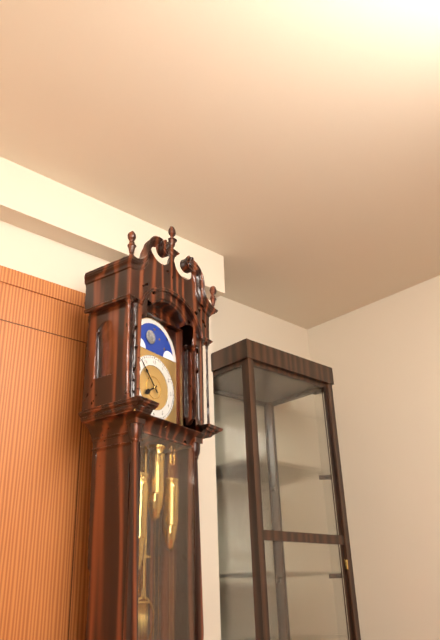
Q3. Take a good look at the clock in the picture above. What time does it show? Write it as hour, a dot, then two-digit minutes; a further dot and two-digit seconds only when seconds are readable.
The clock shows 7.53
